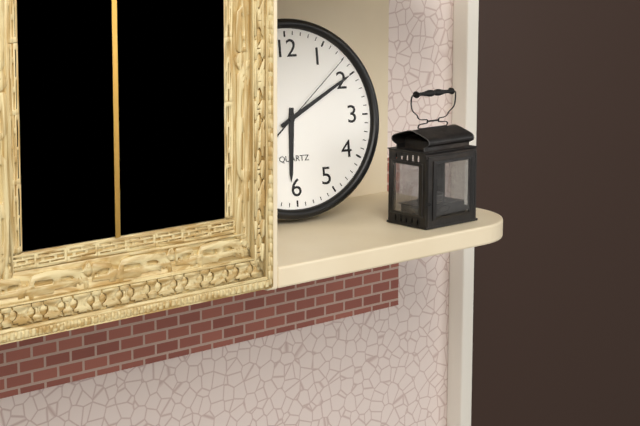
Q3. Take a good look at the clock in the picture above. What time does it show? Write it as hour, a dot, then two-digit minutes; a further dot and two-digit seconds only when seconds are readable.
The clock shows 6.10.08
